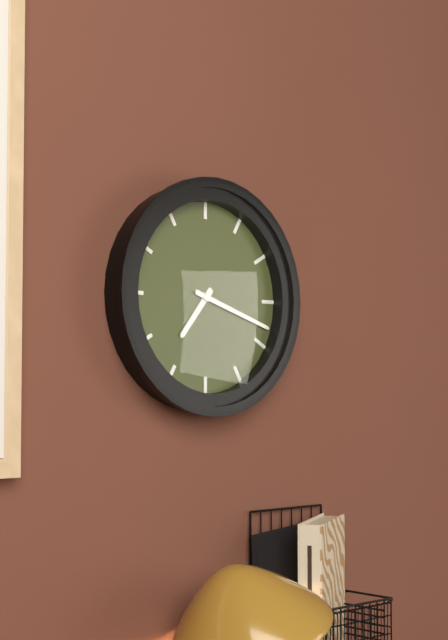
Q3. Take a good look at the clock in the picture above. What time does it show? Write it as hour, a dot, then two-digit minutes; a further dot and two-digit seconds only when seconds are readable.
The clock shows 7.18
